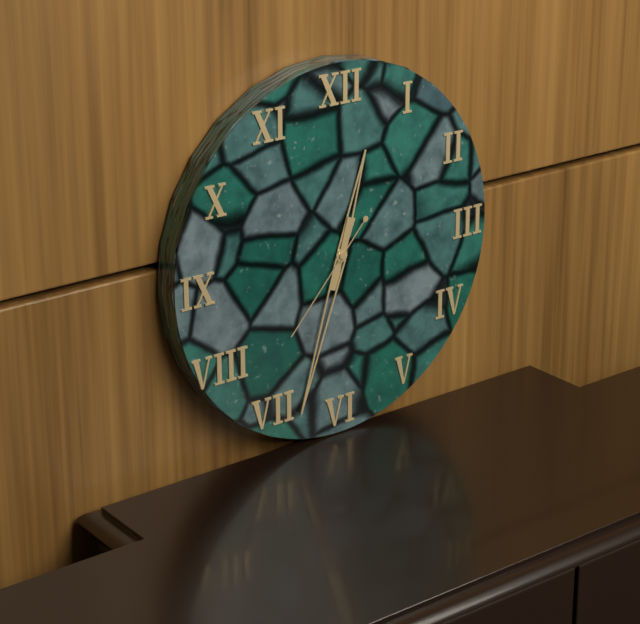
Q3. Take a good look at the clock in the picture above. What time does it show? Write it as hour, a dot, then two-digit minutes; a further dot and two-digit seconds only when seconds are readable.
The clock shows 12.33.37
